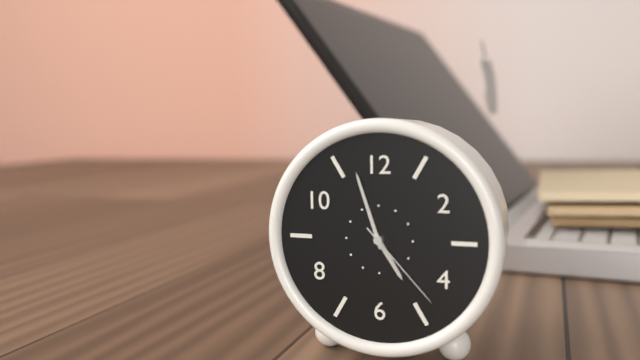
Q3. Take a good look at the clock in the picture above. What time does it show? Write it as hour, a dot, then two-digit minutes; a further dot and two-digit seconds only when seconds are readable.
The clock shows 4.57.23
